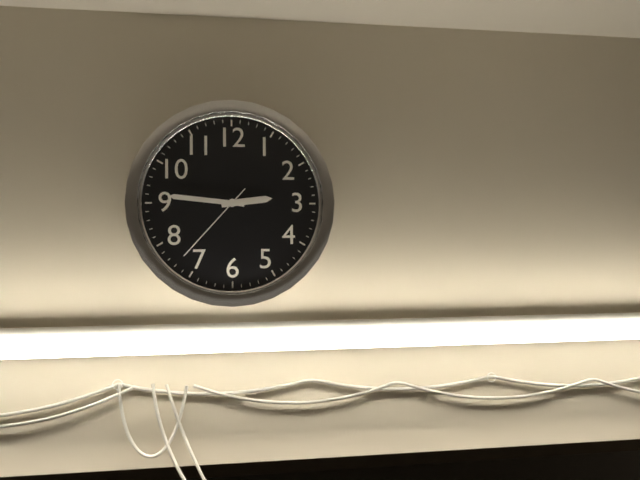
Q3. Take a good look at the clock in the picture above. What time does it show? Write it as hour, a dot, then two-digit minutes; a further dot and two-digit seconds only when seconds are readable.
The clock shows 2.46.37
